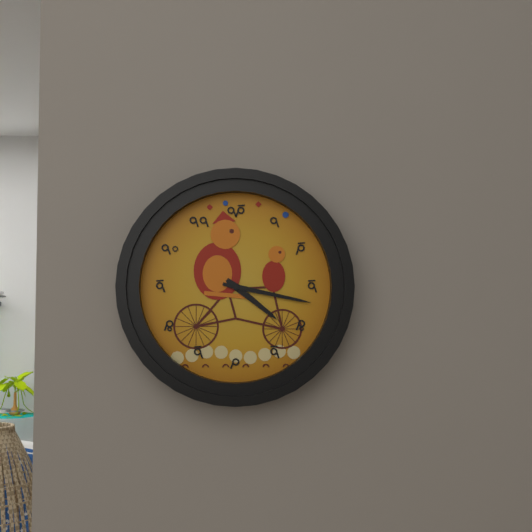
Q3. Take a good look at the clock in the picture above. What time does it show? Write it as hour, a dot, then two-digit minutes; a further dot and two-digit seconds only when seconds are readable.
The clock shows 4.17
